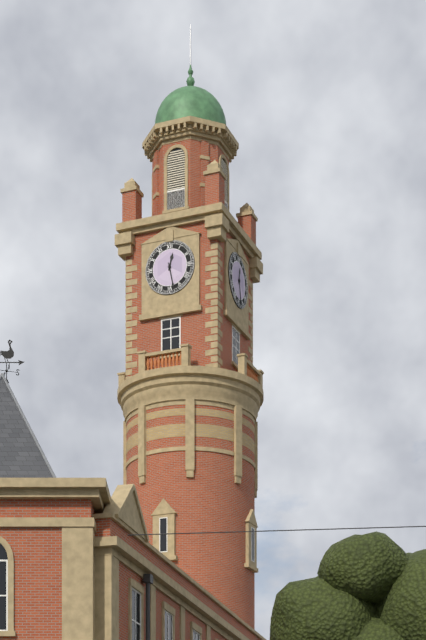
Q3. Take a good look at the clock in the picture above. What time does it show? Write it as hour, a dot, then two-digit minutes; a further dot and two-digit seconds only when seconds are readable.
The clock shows 12.28
